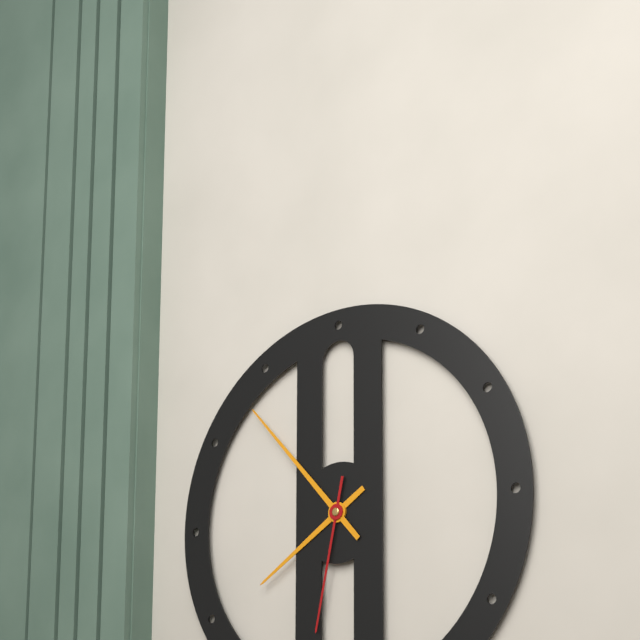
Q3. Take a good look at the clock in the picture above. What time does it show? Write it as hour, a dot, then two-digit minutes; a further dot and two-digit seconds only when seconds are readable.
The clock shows 7.53.32
